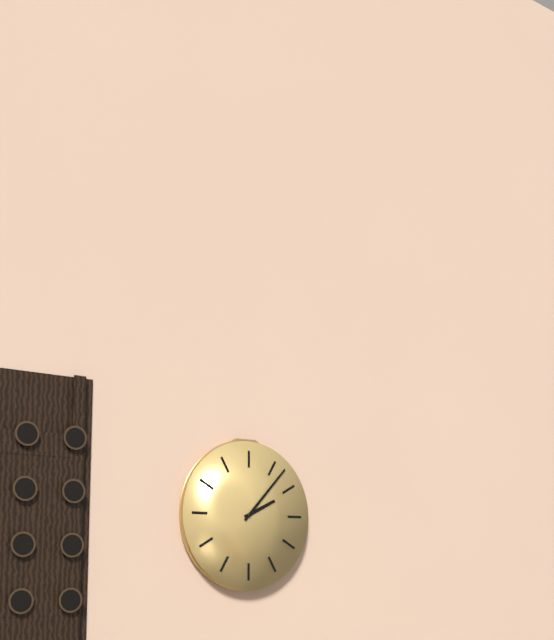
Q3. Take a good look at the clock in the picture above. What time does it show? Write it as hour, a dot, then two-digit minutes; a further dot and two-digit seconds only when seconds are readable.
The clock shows 2.07
